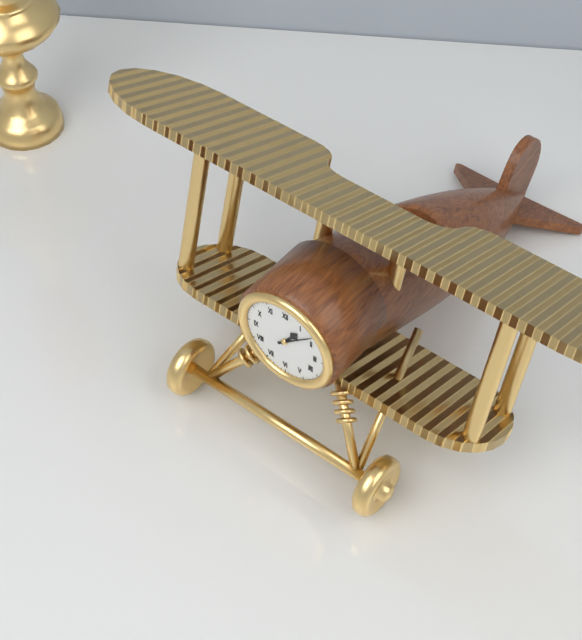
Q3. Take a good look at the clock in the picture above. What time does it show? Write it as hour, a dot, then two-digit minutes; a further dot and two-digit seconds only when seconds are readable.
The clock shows 1.08
